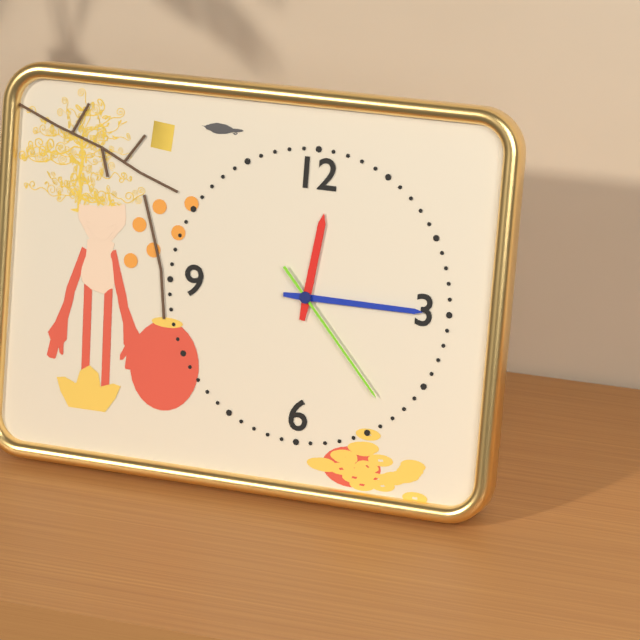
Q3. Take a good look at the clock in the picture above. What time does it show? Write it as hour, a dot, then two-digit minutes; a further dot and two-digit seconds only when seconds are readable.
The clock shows 12.15.23
